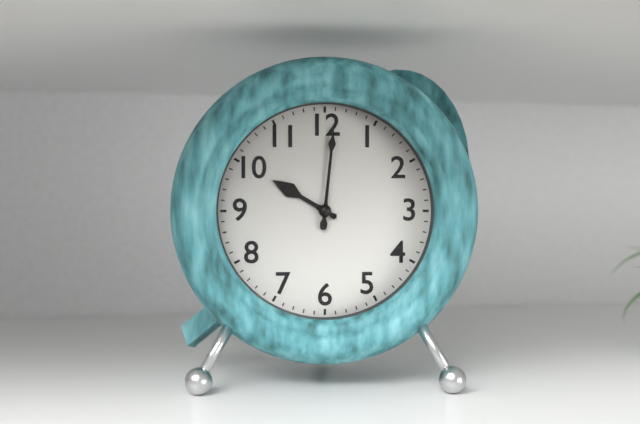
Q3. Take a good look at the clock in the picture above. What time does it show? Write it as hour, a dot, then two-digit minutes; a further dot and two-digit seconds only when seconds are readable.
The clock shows 10.01
